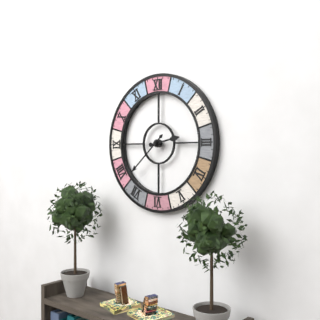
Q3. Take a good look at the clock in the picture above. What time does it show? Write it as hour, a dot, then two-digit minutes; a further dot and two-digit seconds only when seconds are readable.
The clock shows 2.38
